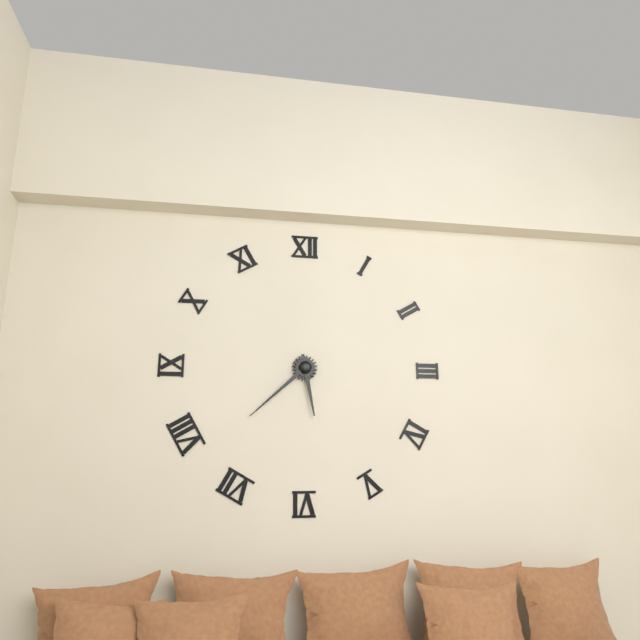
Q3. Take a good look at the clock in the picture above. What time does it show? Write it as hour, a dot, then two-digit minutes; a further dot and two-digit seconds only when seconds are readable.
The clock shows 5.38
